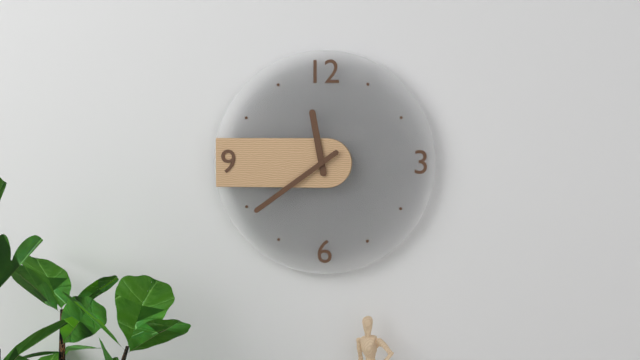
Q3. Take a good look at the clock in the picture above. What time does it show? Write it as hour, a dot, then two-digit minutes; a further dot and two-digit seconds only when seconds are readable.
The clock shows 11.39
